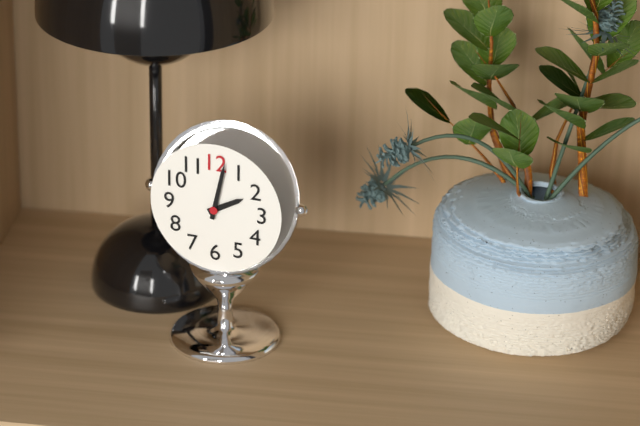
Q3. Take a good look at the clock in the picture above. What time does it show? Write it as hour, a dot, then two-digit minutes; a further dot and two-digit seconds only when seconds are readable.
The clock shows 2.02
